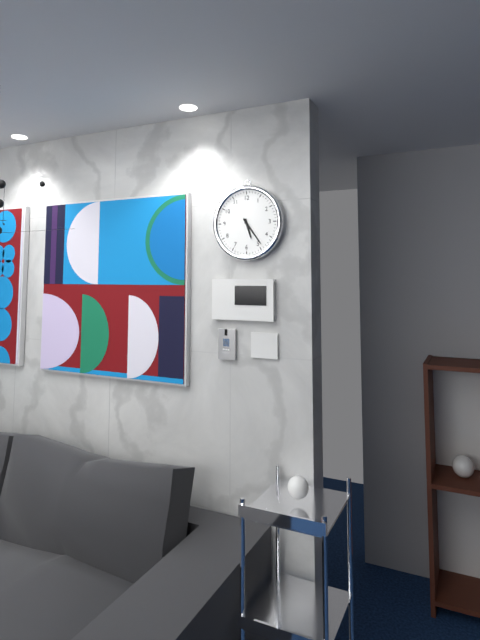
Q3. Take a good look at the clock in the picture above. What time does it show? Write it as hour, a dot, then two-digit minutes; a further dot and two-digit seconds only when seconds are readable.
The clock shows 5.24
